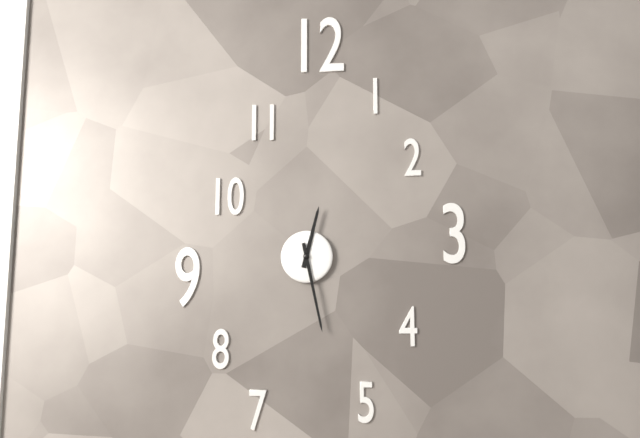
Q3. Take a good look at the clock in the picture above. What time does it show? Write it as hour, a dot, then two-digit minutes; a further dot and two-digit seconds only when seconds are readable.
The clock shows 12.28
